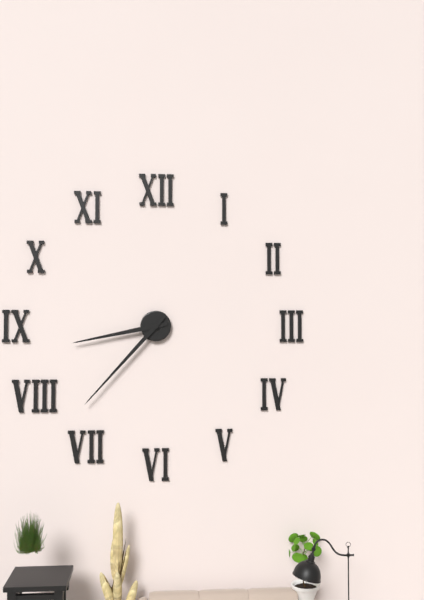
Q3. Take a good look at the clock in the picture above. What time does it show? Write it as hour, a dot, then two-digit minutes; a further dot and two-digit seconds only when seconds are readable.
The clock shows 8.37
